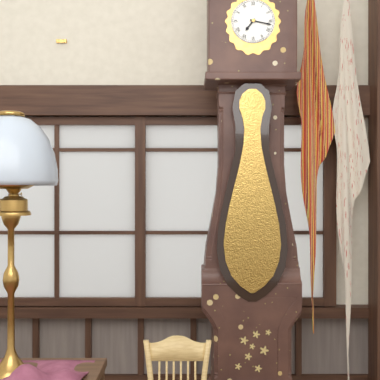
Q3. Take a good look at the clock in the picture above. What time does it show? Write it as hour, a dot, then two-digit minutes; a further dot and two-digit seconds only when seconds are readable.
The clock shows 7.17
